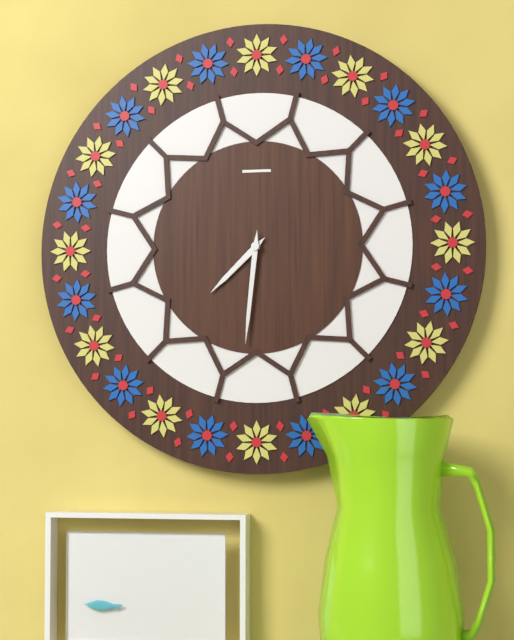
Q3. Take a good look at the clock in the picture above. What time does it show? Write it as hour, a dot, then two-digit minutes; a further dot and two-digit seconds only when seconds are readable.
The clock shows 7.31
